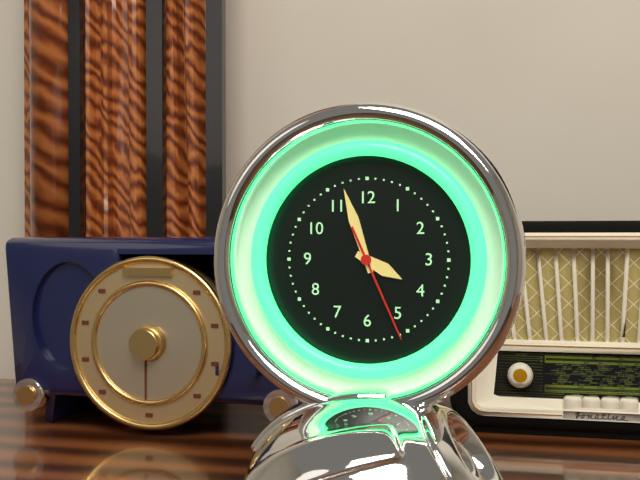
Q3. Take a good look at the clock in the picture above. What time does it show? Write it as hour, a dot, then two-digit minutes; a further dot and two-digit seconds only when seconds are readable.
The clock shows 3.57.26
